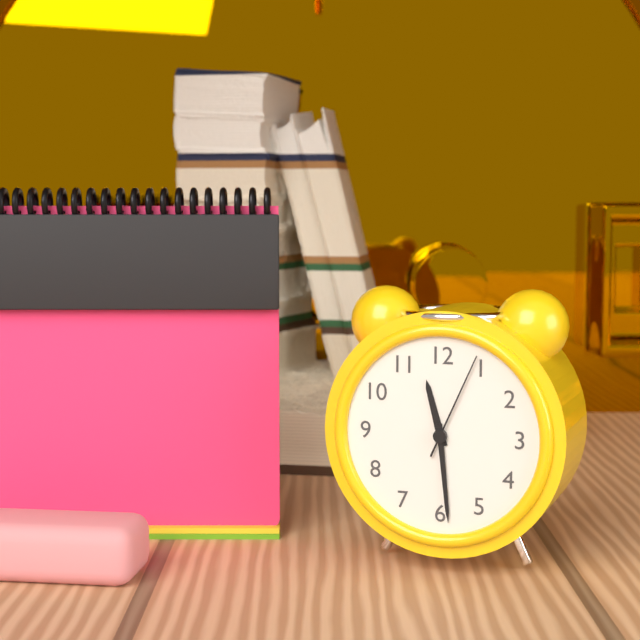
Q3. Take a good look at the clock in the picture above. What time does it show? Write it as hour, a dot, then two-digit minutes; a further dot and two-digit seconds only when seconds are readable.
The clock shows 11.29.04
